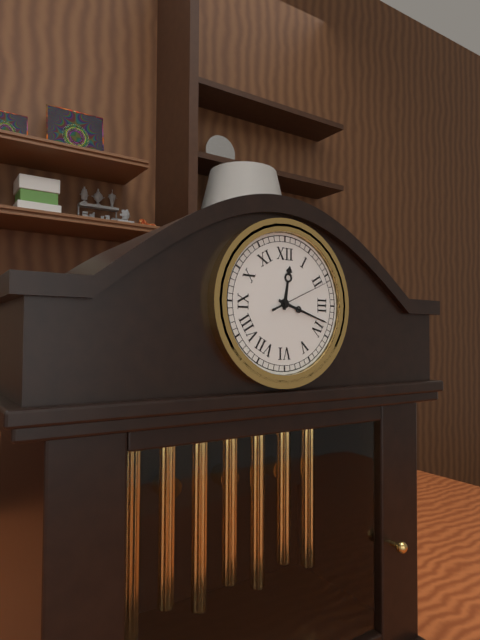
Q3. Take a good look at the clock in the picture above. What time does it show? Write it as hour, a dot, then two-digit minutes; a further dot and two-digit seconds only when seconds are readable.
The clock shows 12.18.11
